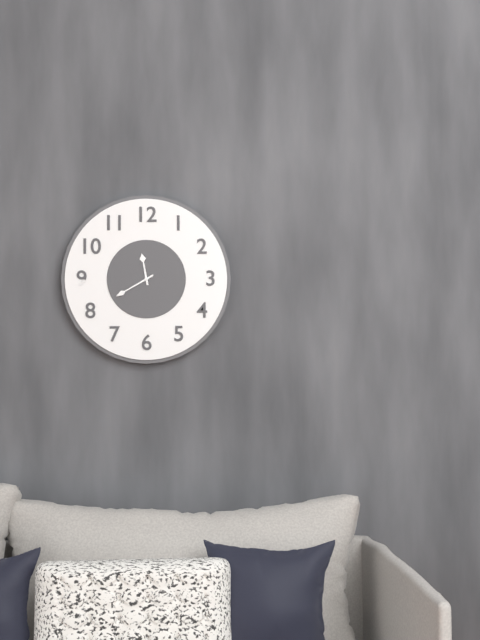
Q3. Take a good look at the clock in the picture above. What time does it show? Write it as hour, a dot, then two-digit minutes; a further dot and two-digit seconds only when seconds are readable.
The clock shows 11.40
